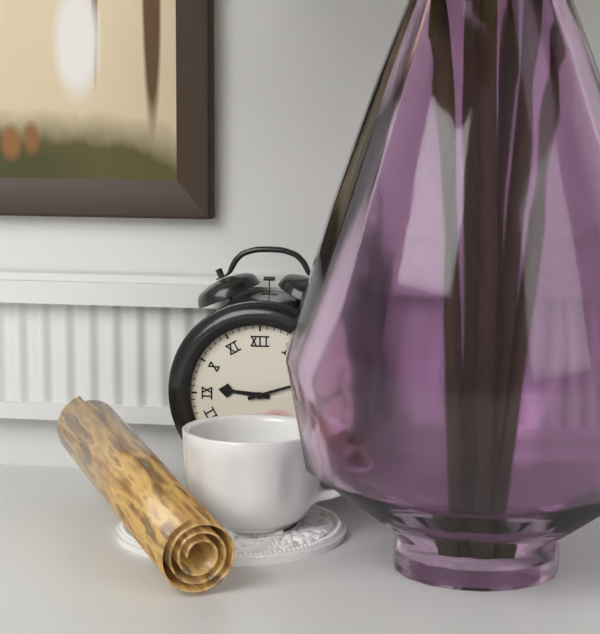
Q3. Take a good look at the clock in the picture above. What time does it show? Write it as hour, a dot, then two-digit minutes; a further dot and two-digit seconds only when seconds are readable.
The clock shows 9.12
